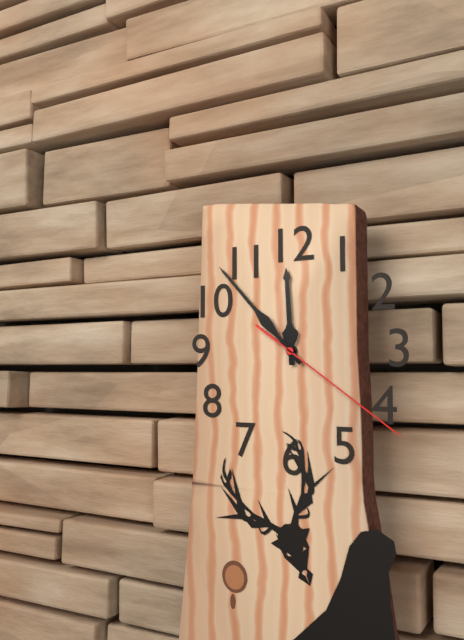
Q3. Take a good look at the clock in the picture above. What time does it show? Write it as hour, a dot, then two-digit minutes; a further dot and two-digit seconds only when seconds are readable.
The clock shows 11.53.21
